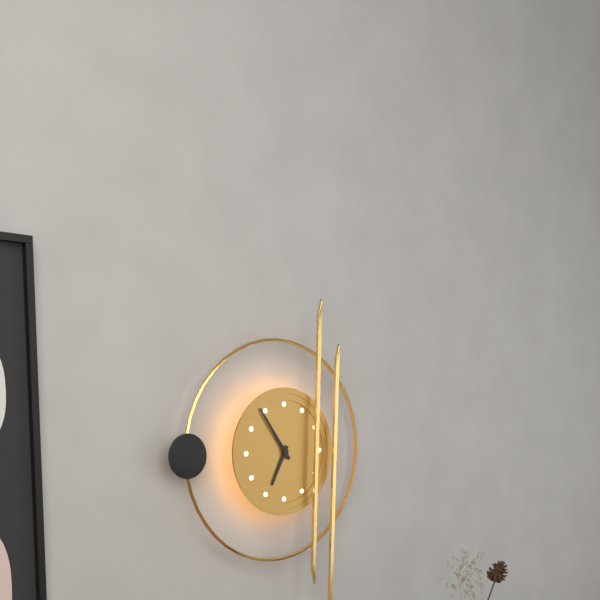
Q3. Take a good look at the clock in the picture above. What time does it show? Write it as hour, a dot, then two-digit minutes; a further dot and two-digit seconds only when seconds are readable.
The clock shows 6.54
